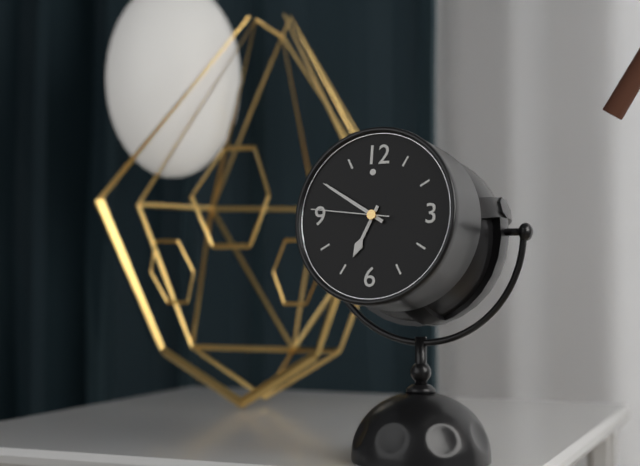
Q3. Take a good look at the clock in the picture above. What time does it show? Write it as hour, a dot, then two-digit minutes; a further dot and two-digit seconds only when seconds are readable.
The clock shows 6.50.46
